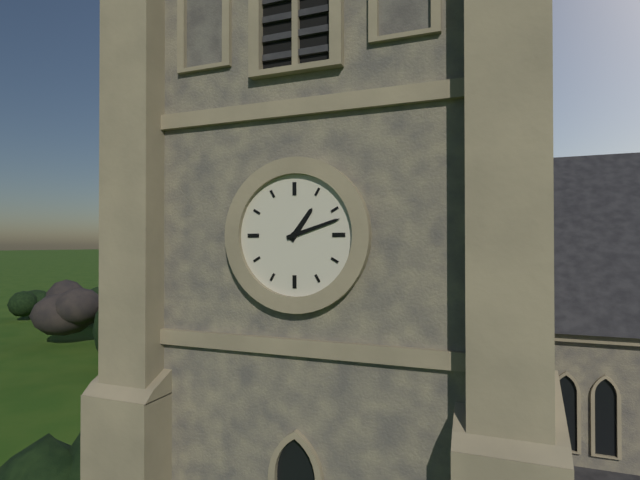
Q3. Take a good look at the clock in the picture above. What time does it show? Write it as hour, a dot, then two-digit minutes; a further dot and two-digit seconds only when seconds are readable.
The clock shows 1.12
